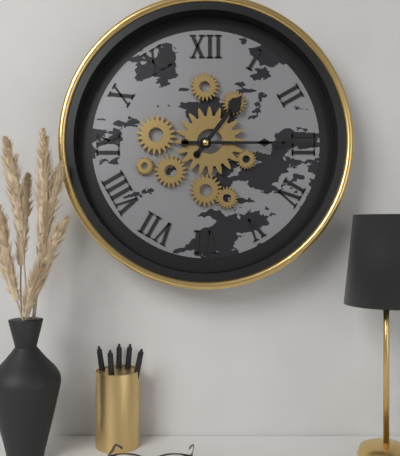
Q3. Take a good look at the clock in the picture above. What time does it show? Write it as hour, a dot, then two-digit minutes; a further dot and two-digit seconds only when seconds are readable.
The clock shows 1.15
